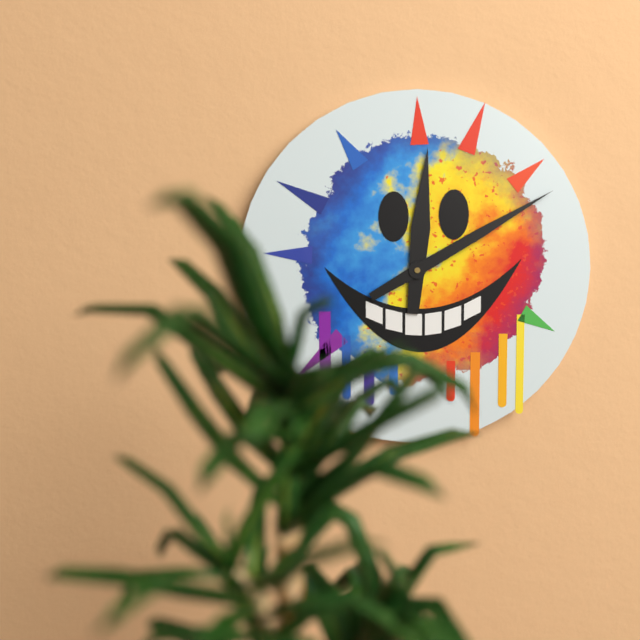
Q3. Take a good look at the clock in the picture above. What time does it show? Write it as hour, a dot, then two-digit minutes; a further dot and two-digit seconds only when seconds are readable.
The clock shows 12.10
